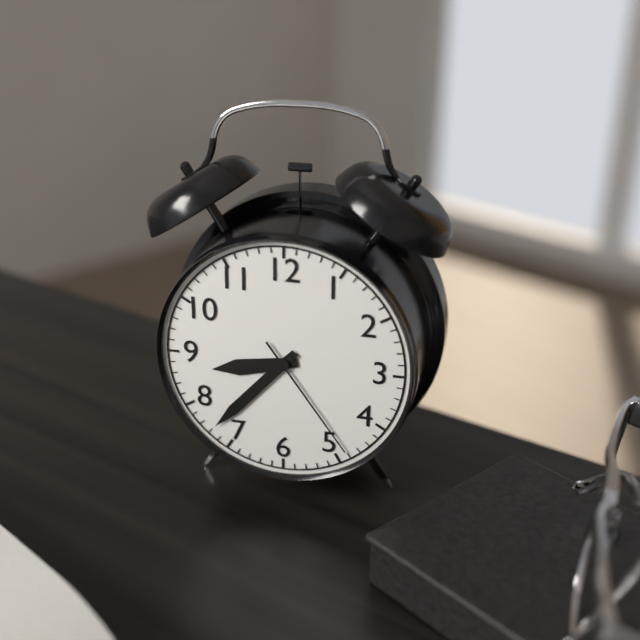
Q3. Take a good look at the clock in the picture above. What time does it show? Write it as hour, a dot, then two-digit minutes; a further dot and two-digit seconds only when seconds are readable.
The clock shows 8.37.24
